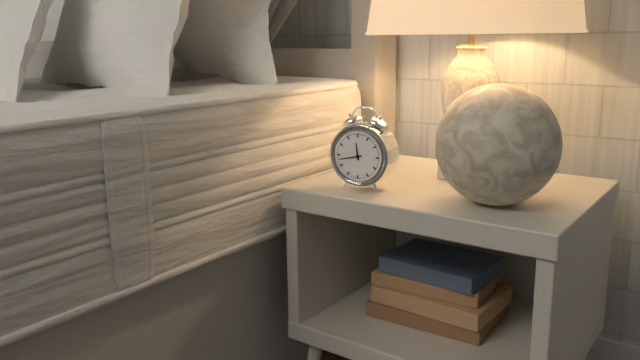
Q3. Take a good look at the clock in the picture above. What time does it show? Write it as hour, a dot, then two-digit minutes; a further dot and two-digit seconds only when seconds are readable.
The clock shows 11.43
